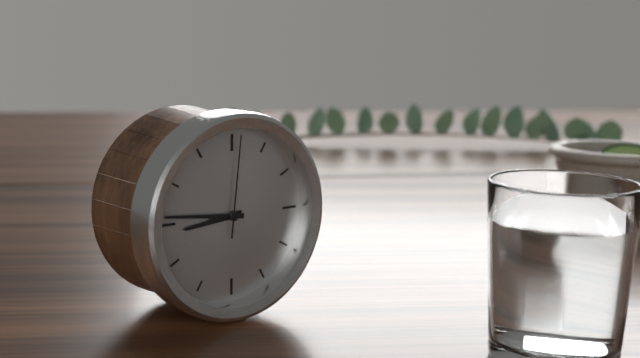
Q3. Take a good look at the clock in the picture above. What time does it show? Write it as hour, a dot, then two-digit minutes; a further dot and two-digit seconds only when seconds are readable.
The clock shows 8.46.01
